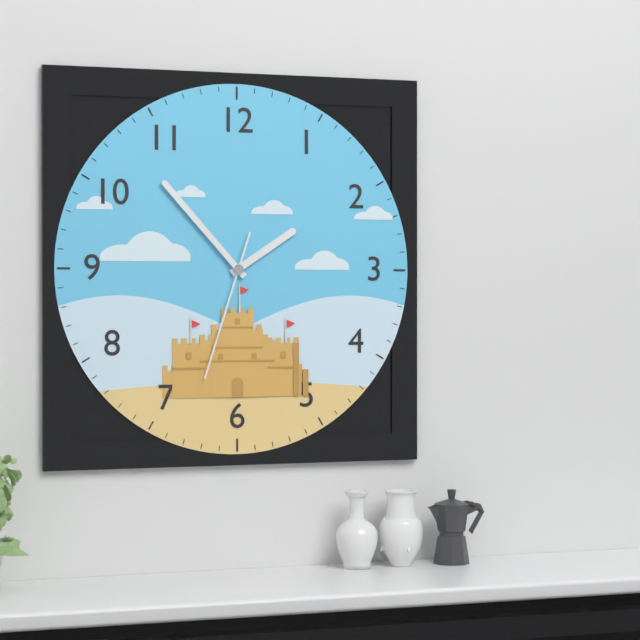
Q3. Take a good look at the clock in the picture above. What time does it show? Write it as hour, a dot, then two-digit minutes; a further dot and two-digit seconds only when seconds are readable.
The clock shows 1.53.33
